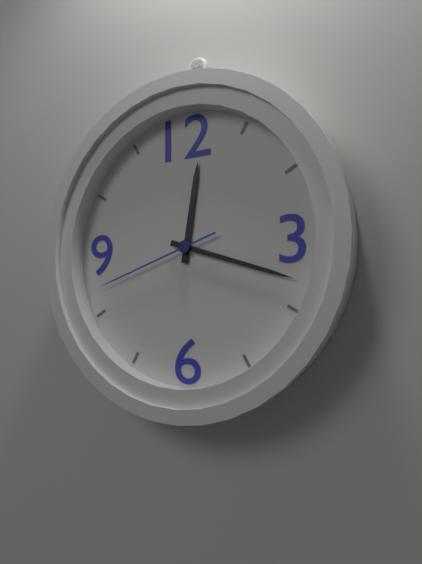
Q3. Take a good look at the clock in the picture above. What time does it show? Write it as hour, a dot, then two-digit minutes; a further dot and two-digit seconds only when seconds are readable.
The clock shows 12.18.42
